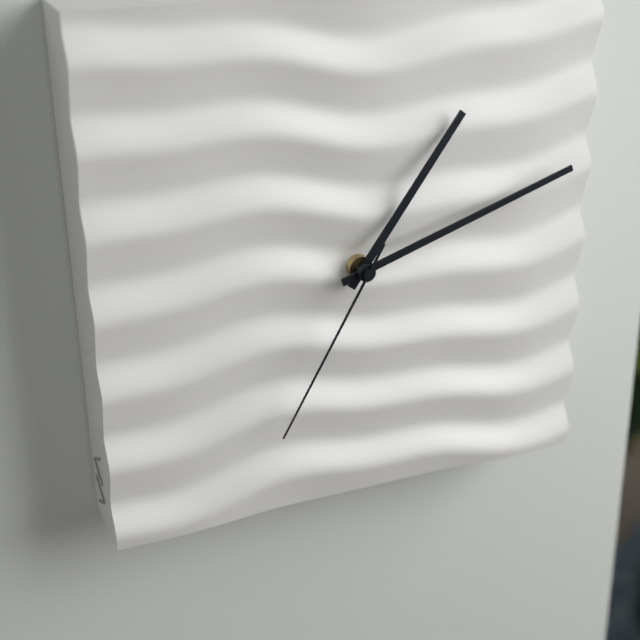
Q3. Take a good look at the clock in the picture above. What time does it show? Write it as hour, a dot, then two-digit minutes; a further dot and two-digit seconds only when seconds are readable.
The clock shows 1.12.35
